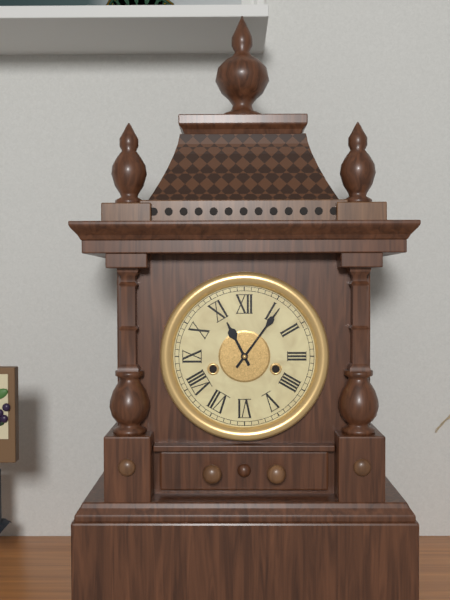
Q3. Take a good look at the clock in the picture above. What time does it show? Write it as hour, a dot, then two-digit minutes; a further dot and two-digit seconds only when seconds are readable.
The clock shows 11.06
